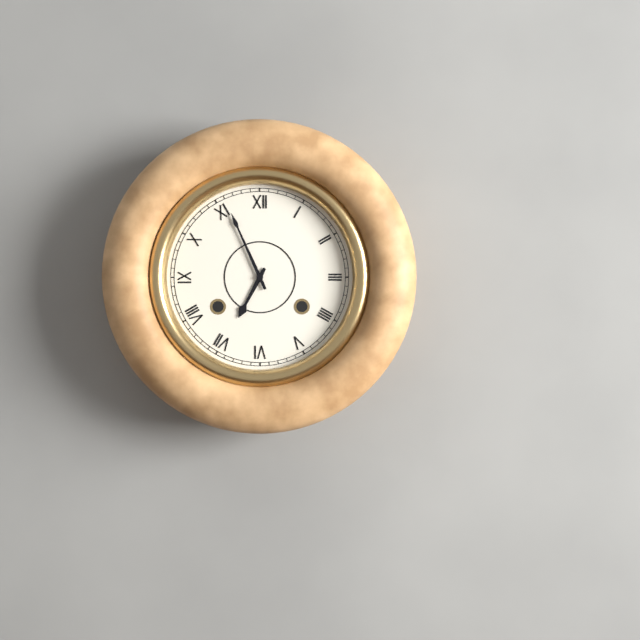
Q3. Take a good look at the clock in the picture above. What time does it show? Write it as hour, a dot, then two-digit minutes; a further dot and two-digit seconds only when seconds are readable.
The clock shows 6.56
